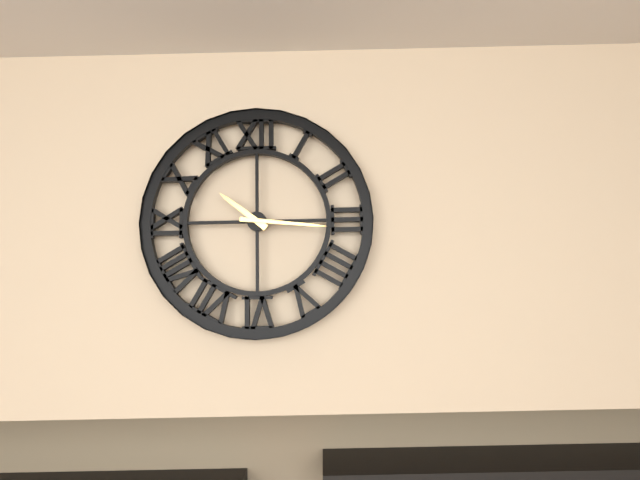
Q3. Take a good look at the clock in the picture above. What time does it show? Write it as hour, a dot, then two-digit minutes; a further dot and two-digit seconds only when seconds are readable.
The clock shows 10.16
